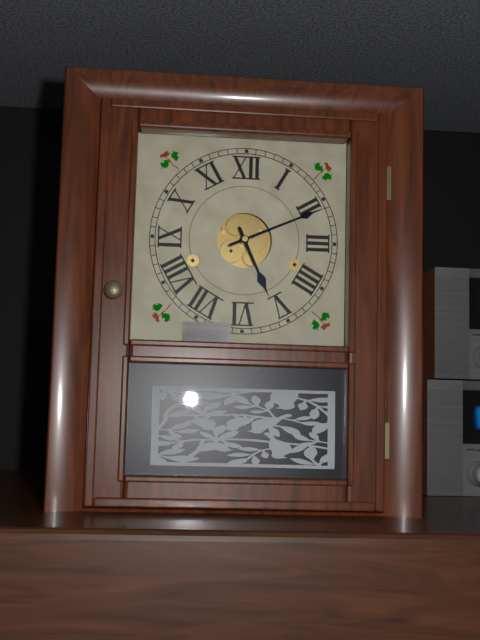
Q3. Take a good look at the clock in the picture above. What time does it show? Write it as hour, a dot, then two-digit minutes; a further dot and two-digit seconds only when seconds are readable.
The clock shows 5.11
